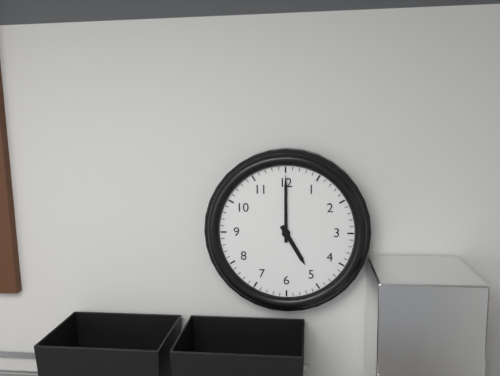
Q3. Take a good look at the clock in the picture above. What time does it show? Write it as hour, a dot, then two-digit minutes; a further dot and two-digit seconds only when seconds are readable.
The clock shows 5.00
